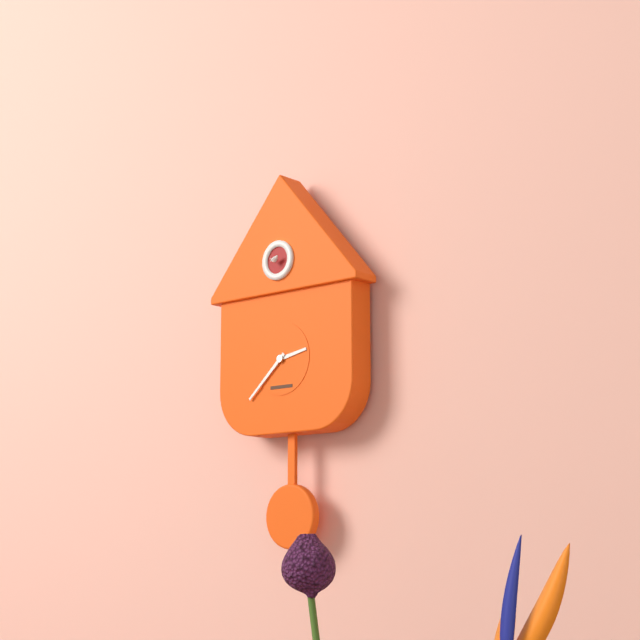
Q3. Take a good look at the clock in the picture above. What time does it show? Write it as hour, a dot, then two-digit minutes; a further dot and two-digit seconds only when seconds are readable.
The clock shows 2.38
